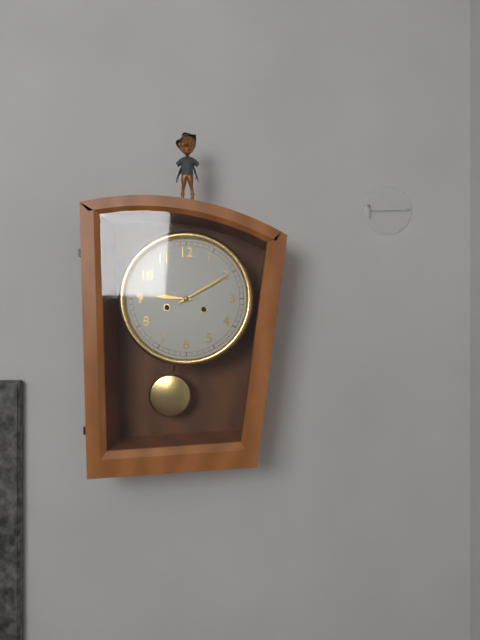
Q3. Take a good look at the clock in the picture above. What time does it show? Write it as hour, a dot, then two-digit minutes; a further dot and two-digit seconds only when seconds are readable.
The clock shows 9.10
